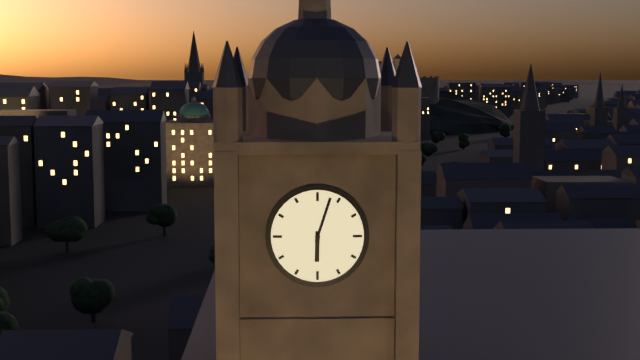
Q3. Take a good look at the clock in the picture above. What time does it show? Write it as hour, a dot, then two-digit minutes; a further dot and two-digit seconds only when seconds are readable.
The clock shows 6.03
